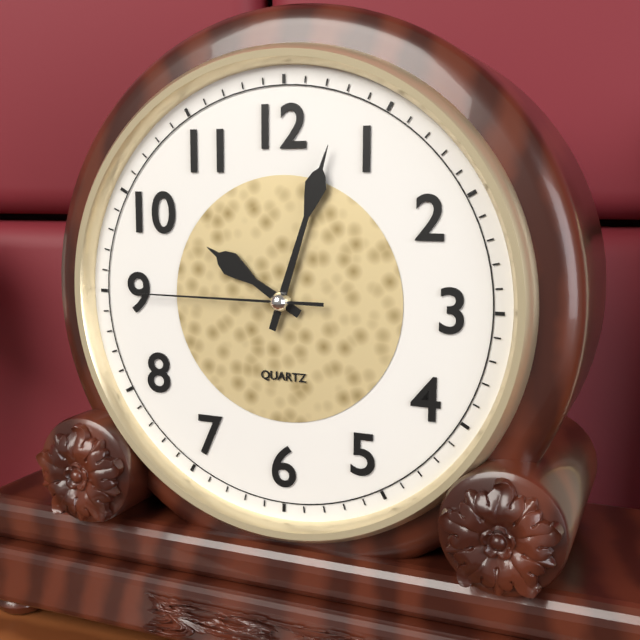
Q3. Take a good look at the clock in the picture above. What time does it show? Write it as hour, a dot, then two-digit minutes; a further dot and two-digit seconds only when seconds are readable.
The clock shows 10.03.45
